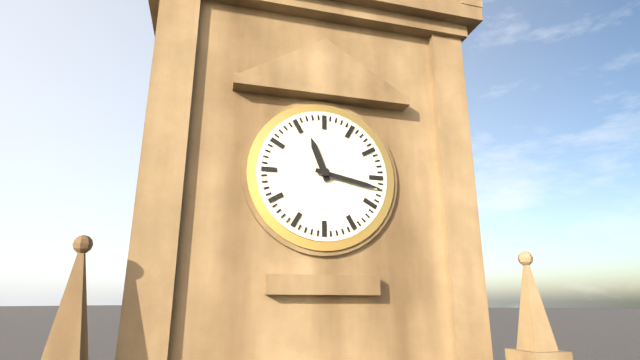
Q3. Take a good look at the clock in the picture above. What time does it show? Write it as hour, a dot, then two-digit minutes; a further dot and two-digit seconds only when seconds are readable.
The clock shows 11.17
